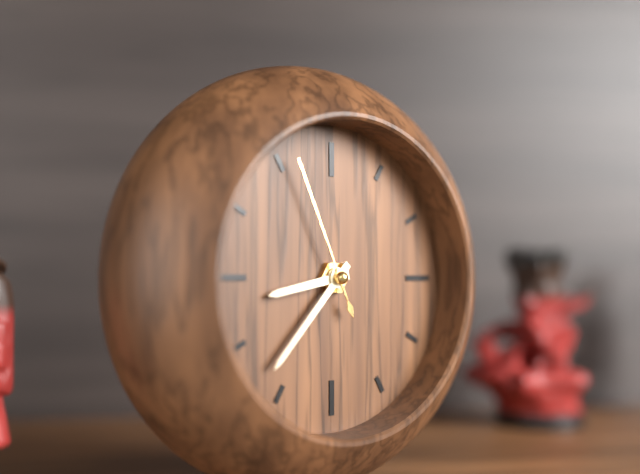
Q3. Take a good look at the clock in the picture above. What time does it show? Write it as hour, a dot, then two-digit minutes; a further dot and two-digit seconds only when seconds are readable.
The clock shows 8.37.56
